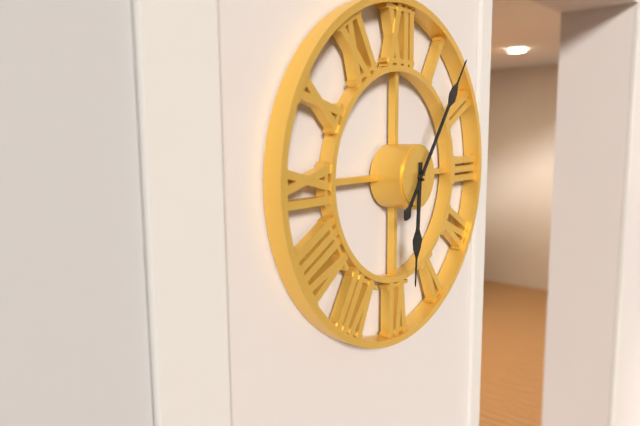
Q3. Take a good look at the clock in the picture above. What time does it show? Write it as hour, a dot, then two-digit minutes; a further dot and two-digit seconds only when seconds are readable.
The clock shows 6.06
